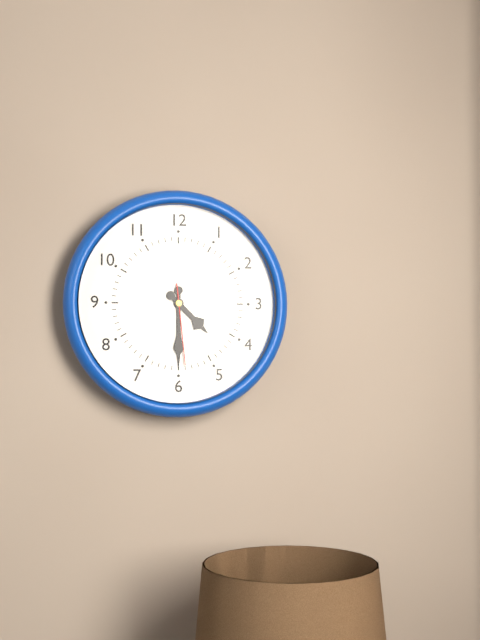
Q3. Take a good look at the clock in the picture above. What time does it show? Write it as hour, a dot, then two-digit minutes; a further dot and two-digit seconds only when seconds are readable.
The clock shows 4.30.29
